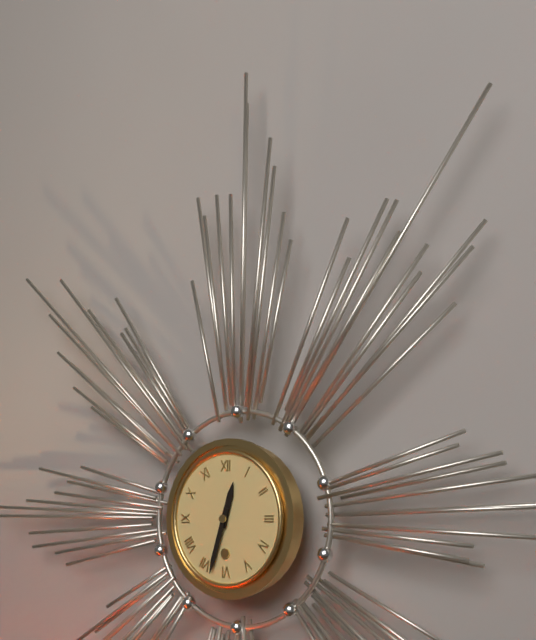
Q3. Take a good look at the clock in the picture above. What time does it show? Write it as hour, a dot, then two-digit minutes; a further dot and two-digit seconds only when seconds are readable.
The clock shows 12.33
